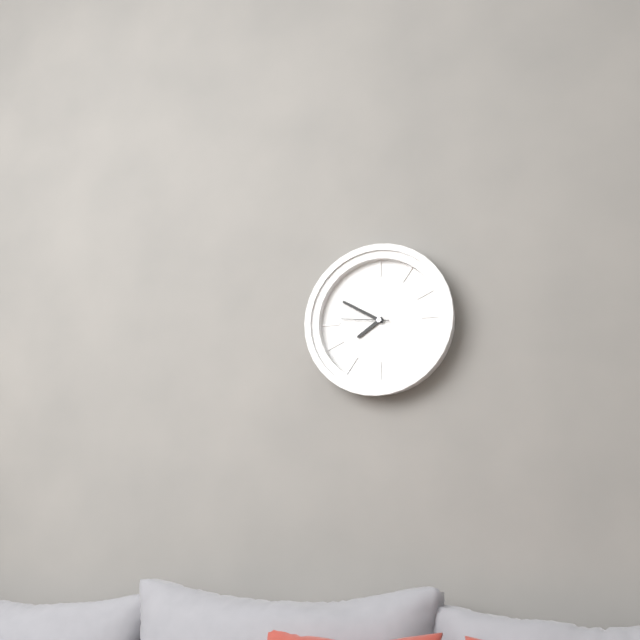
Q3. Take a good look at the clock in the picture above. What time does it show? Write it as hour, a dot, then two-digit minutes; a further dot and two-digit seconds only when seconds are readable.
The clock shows 7.50
